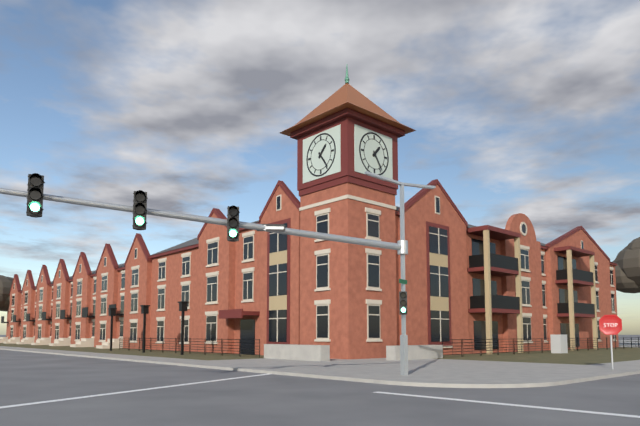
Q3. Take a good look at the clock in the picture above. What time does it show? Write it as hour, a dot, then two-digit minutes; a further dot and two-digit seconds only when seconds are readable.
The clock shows 1.24
